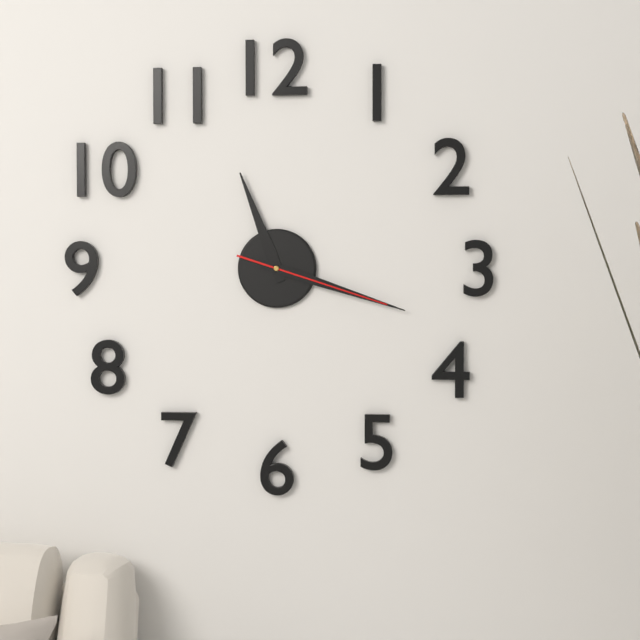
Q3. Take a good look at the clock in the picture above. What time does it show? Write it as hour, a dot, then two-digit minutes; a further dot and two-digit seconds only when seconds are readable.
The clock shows 11.18.18
